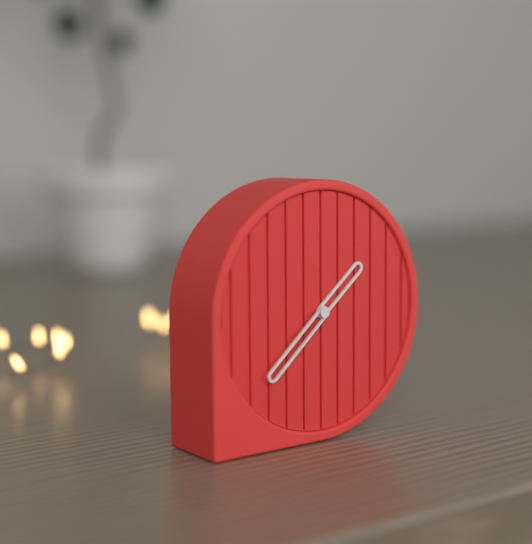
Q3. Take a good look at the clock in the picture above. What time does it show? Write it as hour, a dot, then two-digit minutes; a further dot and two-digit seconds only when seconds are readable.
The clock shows 1.38
